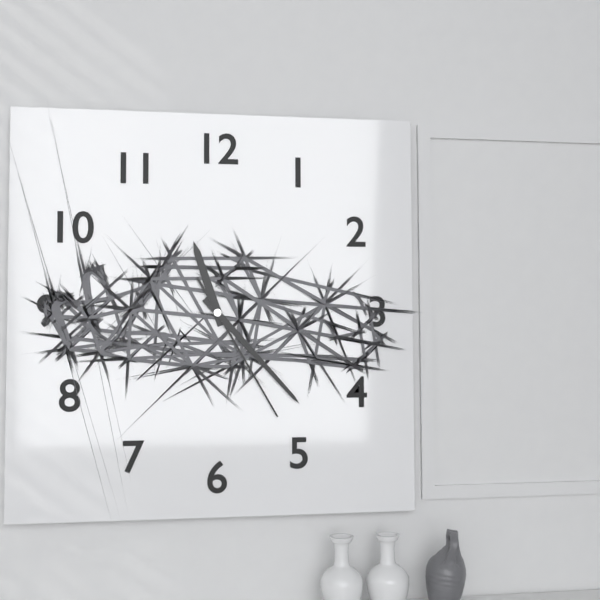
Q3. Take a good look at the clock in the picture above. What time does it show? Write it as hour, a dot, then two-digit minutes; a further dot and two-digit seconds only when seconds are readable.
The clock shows 11.23.25
